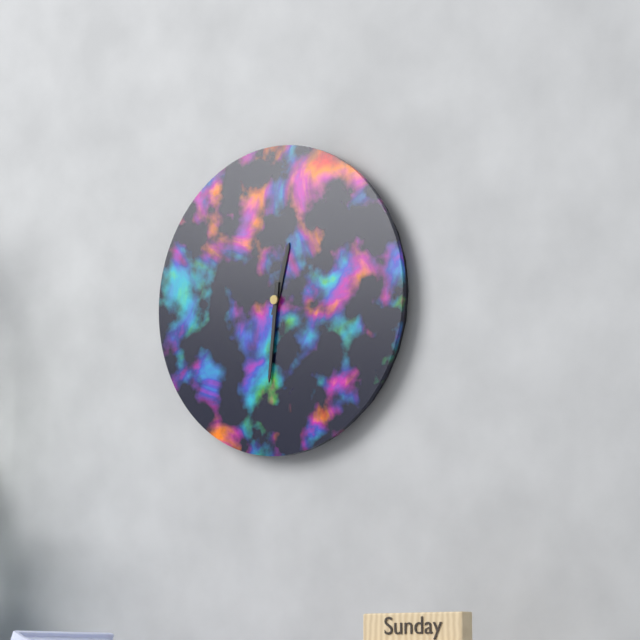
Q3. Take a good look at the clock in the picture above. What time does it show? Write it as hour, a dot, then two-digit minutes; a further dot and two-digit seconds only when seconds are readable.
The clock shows 12.31
